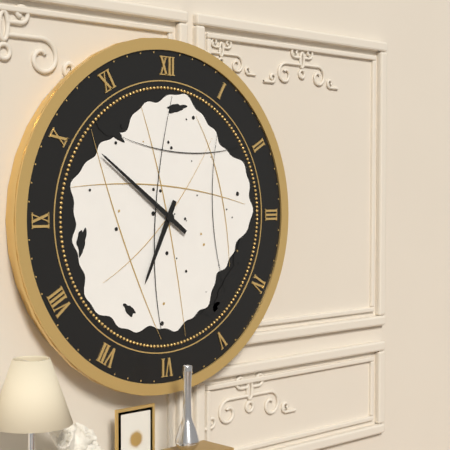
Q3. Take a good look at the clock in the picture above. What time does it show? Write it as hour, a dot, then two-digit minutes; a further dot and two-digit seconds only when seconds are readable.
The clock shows 6.51
